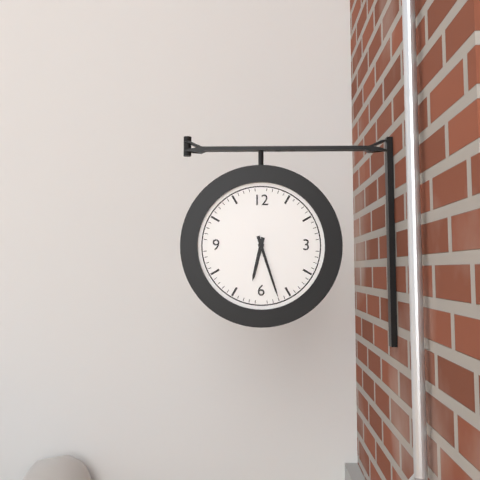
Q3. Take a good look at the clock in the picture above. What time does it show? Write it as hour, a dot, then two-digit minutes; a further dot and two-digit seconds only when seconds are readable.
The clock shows 6.27
